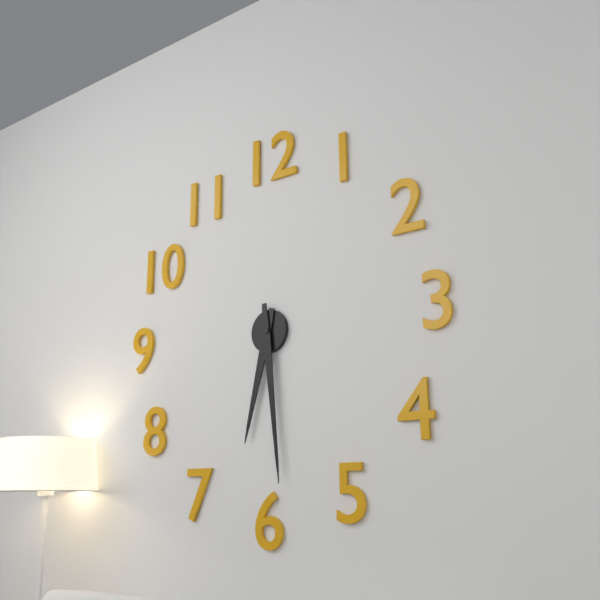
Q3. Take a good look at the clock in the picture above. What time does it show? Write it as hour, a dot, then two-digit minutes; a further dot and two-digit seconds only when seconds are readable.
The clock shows 6.29
